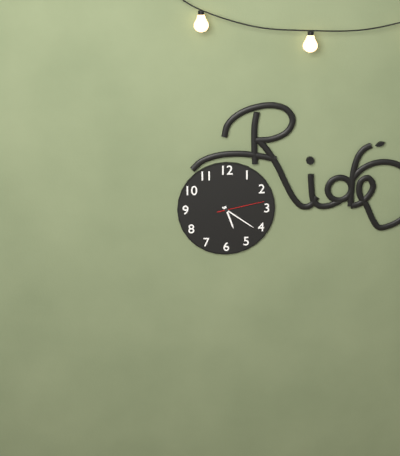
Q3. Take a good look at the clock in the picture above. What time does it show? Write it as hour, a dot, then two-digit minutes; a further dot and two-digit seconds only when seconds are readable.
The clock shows 5.21
